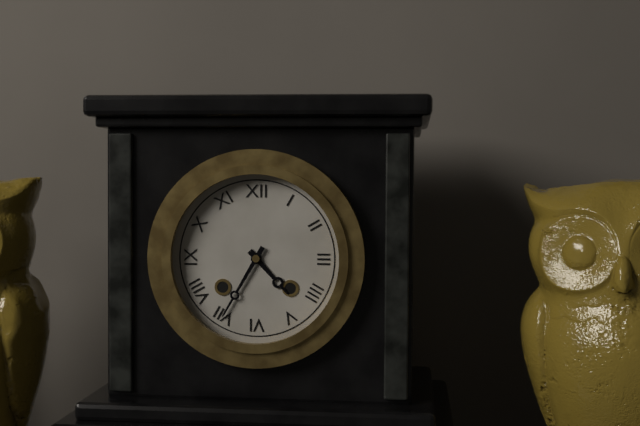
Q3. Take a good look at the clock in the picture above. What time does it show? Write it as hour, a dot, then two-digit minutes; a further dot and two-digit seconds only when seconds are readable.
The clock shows 4.35
